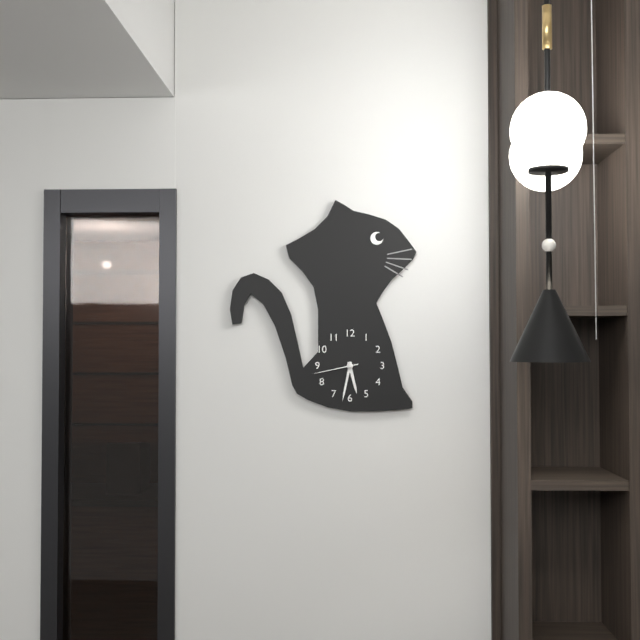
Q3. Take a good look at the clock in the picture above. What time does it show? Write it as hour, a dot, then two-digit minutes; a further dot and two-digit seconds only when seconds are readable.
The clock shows 5.32
